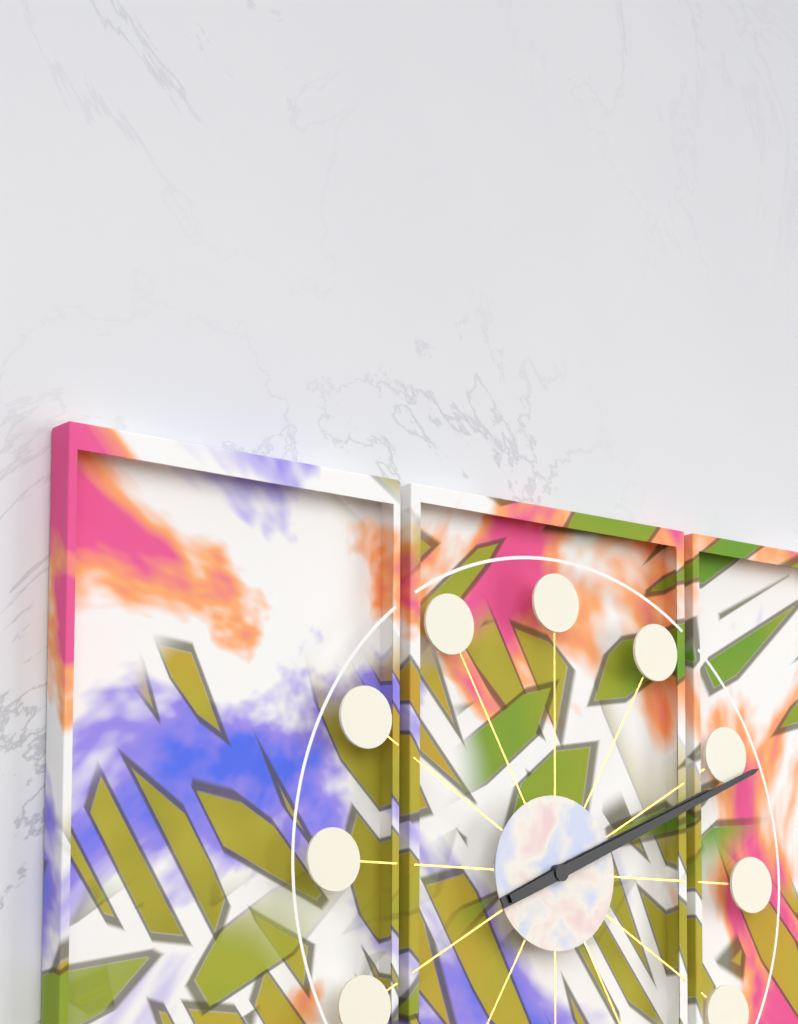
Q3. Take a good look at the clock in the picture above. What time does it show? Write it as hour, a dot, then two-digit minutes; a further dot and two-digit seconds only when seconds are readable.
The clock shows 2.11
